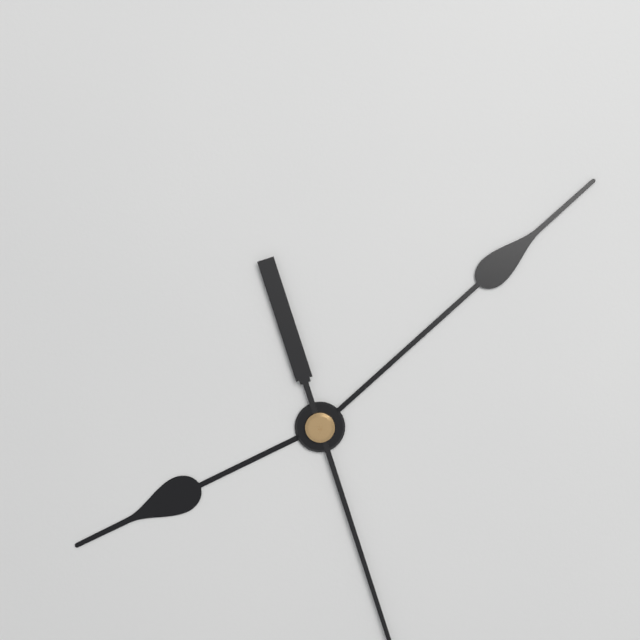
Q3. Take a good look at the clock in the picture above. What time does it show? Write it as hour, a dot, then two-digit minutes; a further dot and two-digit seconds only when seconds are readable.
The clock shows 8.08
